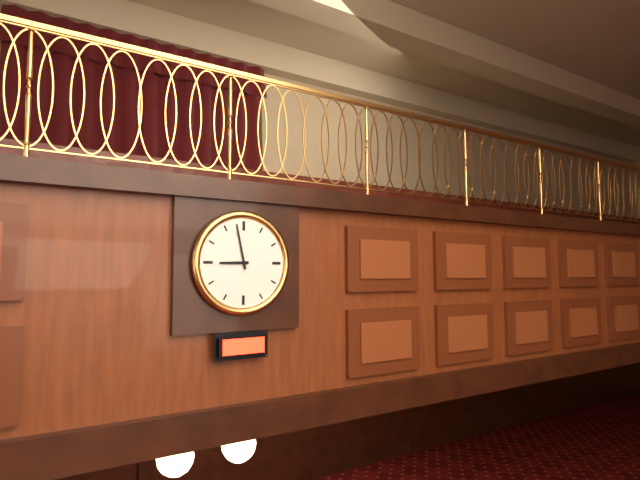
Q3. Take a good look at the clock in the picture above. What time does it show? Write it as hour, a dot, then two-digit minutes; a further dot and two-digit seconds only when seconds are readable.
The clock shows 8.58
